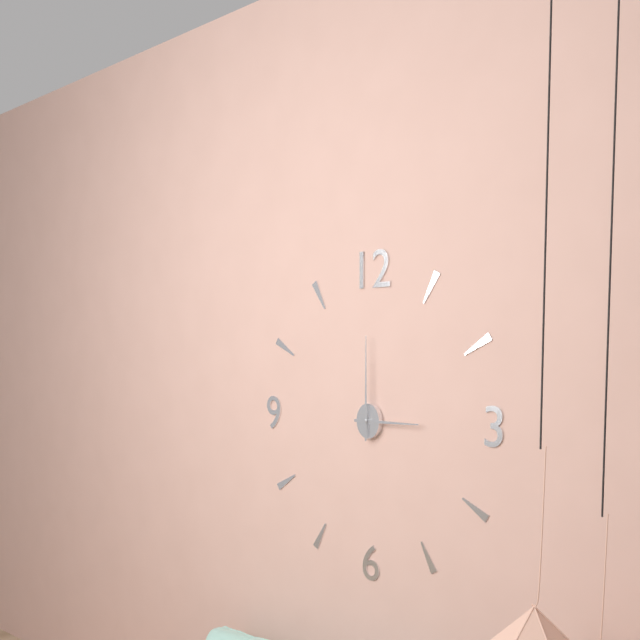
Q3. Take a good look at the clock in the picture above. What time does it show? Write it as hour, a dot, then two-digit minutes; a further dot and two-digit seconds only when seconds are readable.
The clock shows 3.00
